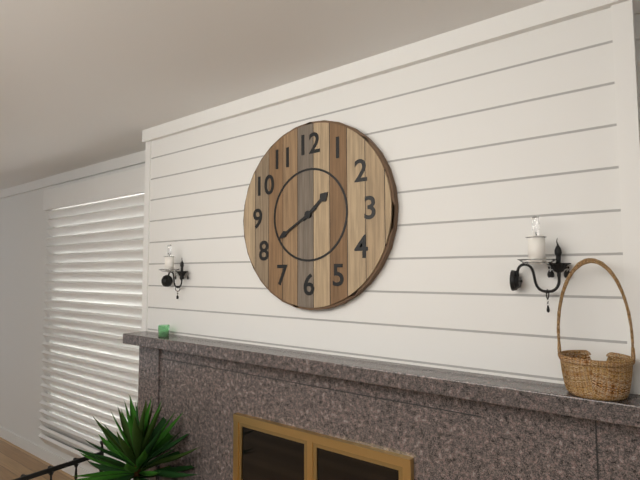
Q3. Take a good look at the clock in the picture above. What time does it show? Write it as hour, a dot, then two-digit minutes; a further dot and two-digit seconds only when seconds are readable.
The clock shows 1.40
